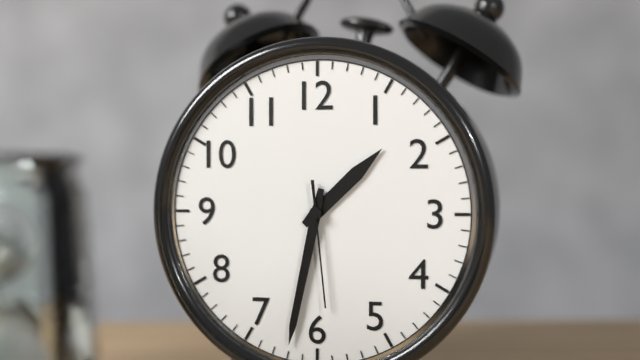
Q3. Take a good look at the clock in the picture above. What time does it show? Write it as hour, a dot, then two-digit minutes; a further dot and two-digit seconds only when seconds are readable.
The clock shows 1.32.29
